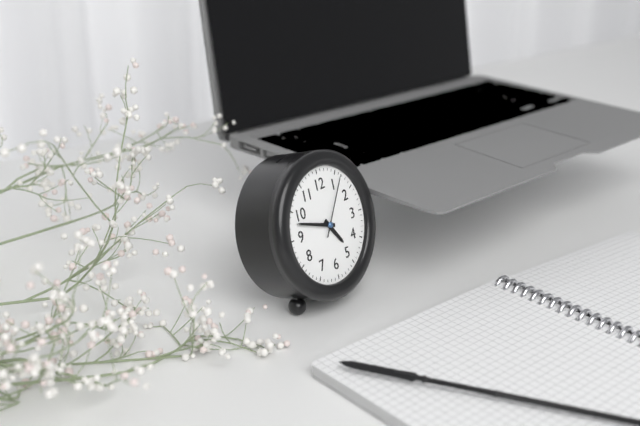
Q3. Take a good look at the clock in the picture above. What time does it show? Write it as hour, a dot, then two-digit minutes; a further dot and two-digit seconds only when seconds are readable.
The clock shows 4.48.06
